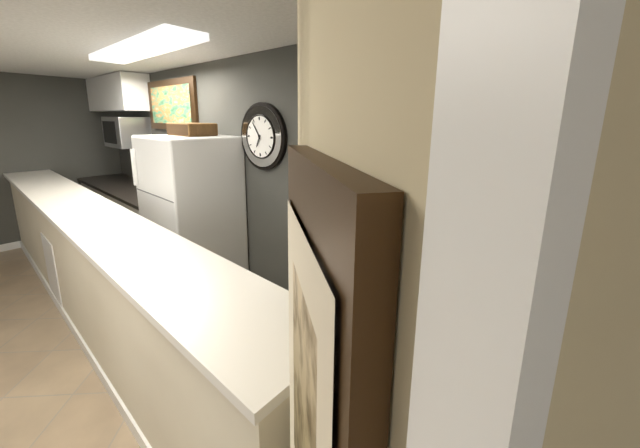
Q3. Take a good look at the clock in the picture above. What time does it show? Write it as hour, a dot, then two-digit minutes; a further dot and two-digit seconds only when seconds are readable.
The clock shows 6.54
